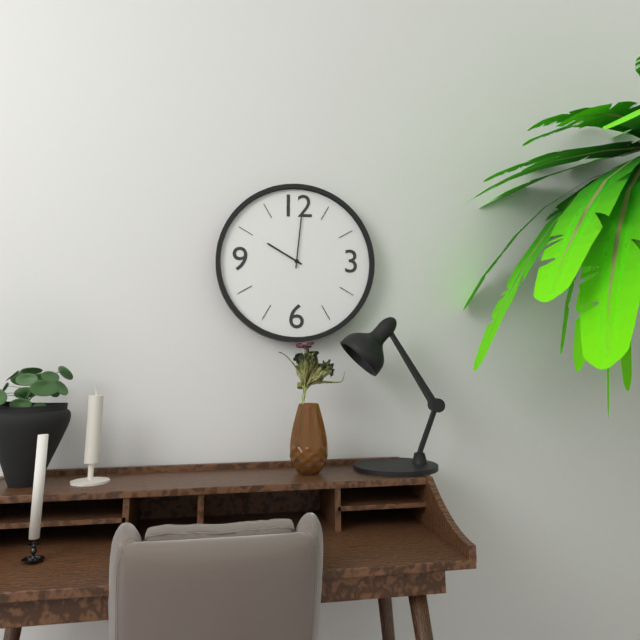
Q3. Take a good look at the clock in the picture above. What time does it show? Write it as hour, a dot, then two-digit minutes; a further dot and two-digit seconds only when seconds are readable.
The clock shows 10.01
